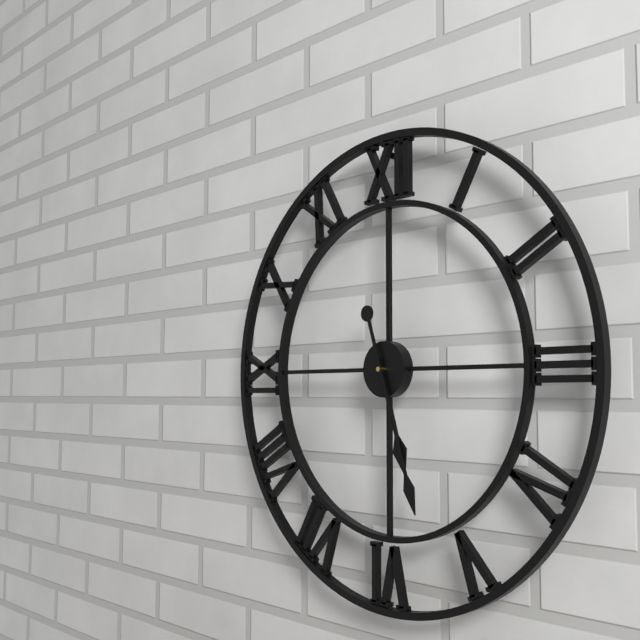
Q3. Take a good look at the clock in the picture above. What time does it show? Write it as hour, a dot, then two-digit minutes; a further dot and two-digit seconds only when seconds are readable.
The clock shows 5.27
